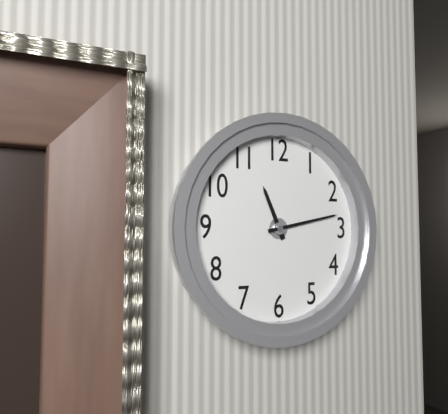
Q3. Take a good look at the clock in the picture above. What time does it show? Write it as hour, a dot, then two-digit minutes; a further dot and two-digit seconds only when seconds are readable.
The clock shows 11.13
